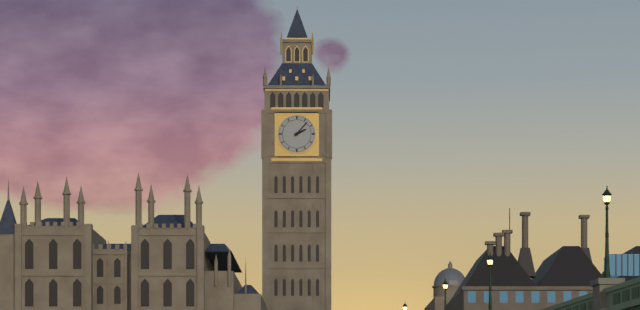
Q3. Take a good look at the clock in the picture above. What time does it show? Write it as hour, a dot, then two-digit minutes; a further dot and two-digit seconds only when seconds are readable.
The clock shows 2.07
